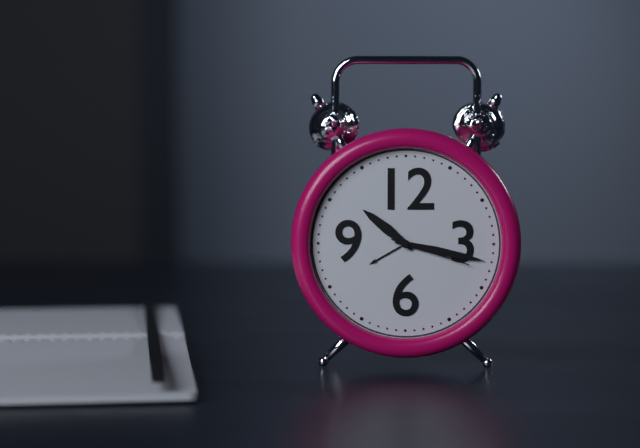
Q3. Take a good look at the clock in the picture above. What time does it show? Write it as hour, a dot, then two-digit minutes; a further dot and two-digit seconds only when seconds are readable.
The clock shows 10.17.18
